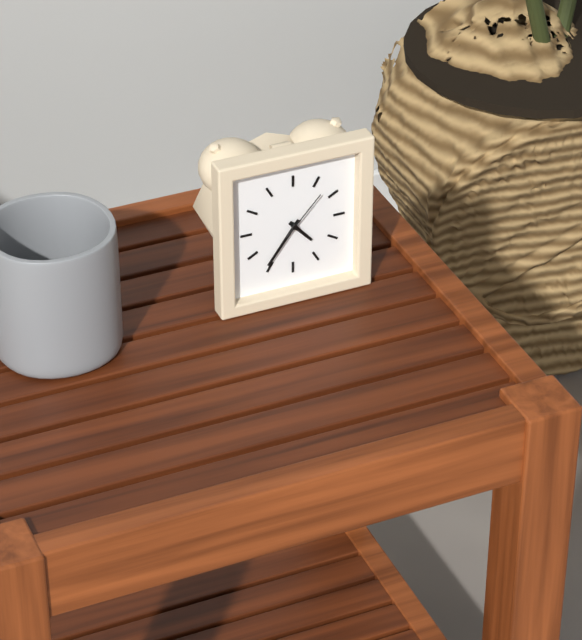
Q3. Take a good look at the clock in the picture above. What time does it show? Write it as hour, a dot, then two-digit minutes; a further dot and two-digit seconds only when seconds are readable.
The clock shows 4.36.07
